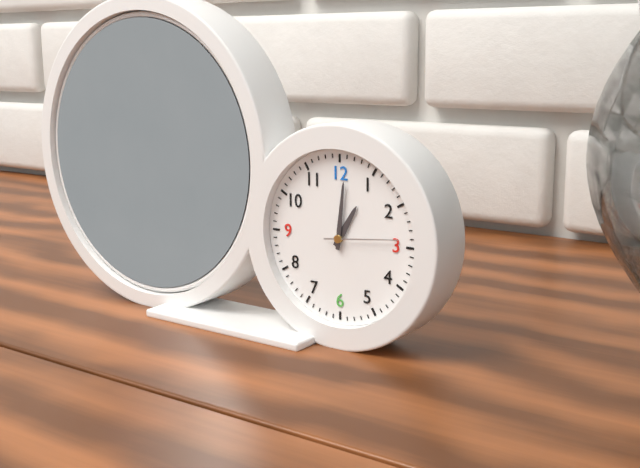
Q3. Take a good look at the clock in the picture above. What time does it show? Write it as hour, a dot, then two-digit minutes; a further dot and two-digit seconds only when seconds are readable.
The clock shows 1.01.14
